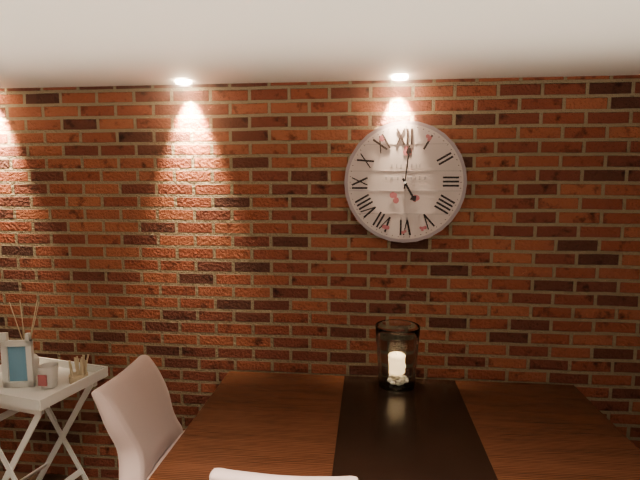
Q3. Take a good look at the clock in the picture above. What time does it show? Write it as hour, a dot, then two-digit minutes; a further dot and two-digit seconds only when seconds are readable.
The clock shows 5.01
